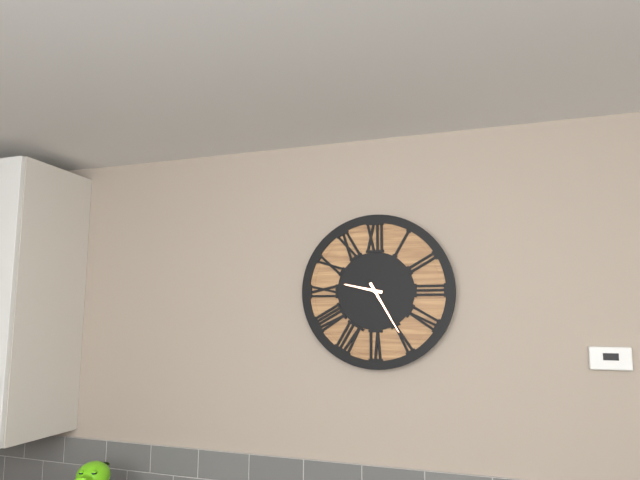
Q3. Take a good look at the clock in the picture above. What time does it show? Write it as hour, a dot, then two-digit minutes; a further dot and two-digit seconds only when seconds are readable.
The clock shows 9.25
